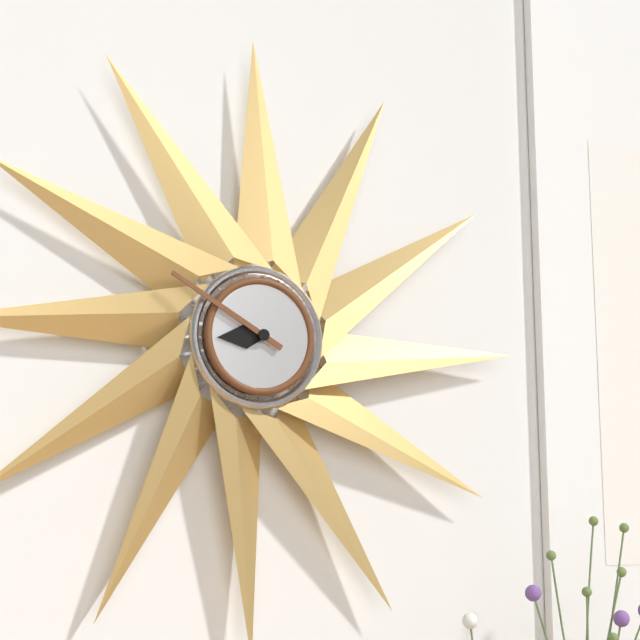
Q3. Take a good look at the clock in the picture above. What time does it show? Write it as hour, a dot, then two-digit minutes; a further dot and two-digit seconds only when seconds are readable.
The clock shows 8.50
